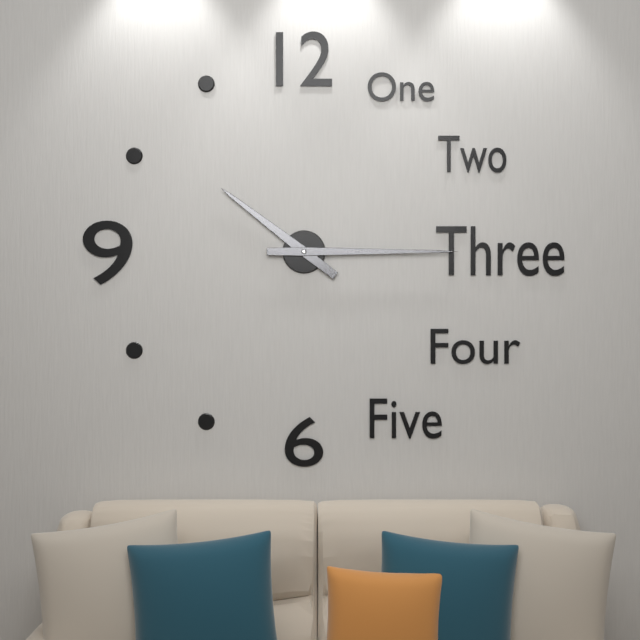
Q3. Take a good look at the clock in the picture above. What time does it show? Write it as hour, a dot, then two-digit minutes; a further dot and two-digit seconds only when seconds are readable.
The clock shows 10.15
